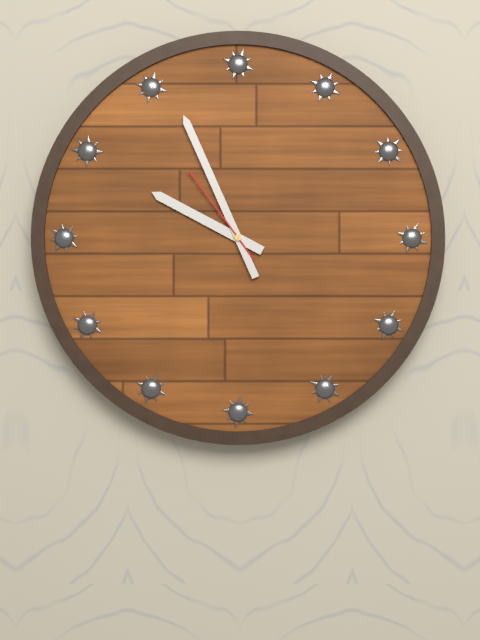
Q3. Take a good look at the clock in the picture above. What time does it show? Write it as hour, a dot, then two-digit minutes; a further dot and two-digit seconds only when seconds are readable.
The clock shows 9.56.54
